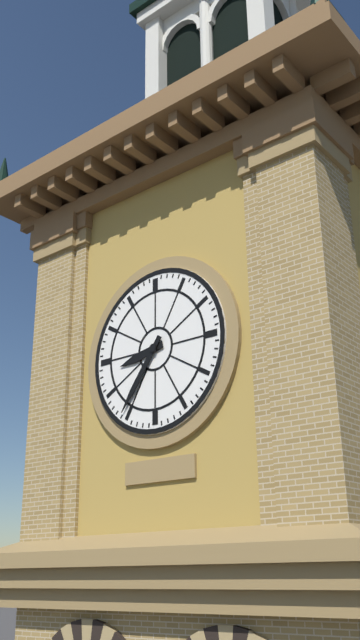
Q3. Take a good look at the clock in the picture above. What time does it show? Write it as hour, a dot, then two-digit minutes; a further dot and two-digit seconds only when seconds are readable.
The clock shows 8.36
